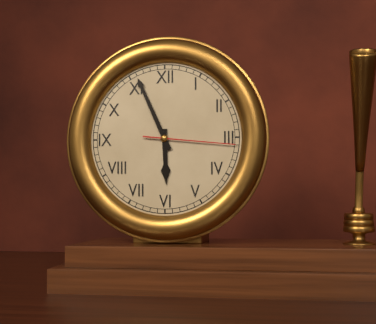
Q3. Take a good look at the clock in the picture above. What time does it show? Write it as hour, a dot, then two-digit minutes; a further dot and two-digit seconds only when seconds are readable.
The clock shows 5.56.16
